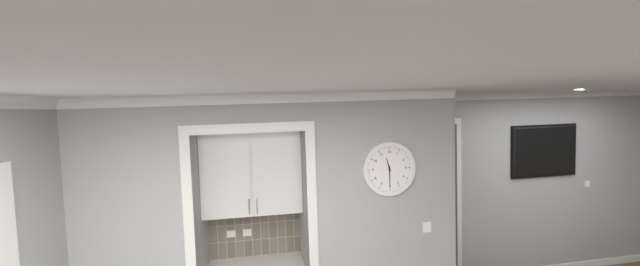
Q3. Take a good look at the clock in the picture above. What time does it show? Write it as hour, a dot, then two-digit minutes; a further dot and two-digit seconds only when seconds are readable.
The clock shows 11.30
